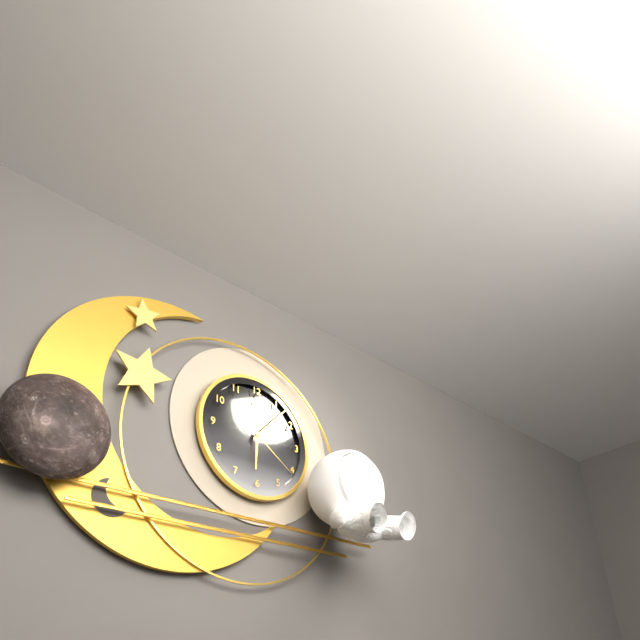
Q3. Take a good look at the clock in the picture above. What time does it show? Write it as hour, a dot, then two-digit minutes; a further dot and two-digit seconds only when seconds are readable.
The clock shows 6.07.21
